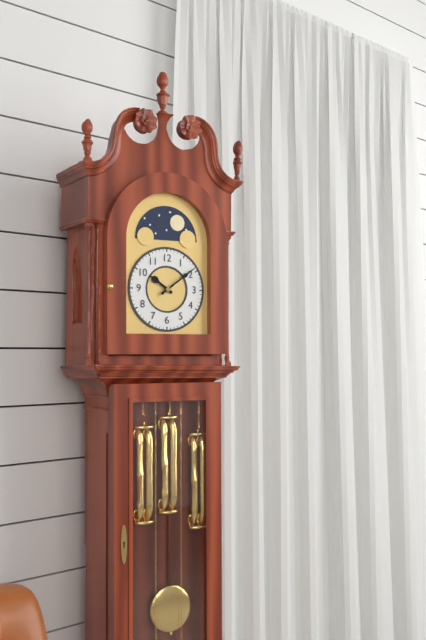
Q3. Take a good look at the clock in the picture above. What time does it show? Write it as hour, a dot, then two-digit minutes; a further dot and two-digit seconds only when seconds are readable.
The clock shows 10.09
